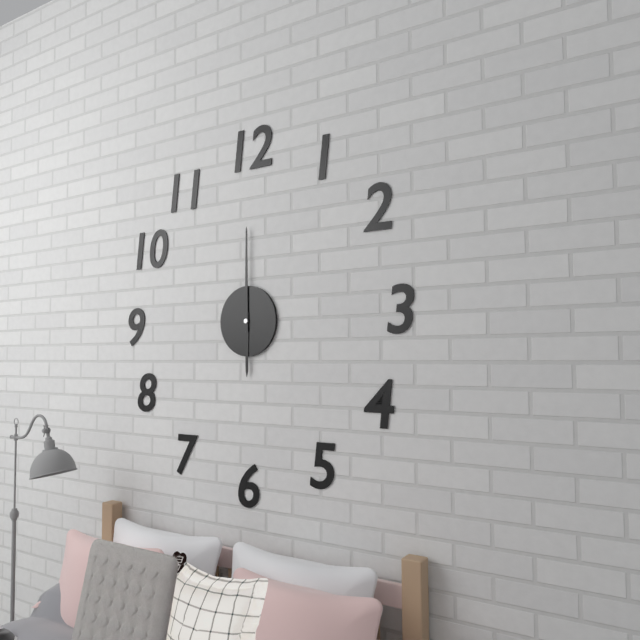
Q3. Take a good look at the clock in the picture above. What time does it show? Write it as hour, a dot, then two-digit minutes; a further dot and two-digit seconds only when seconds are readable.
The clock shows 6.00
